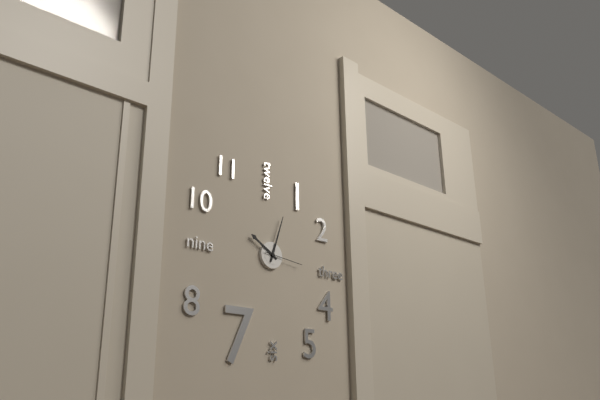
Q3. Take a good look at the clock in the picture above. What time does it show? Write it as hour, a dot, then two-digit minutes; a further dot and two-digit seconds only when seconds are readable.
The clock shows 10.03
